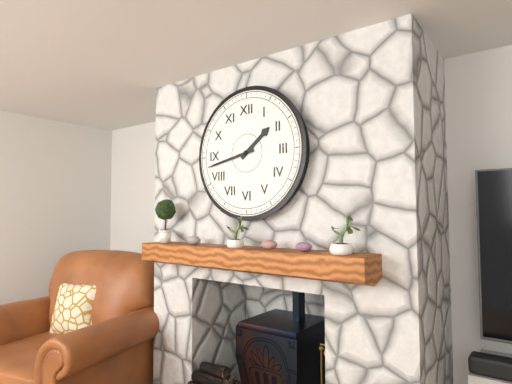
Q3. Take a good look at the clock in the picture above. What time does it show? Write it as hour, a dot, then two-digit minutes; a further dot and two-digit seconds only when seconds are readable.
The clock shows 1.43
